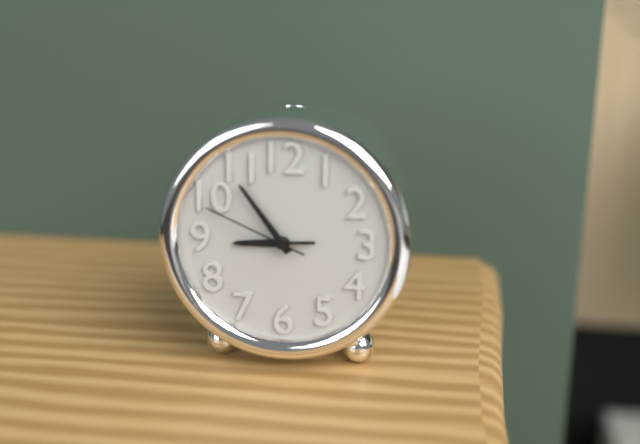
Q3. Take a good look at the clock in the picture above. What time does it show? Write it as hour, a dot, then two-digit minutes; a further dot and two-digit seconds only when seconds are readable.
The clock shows 8.54.49
